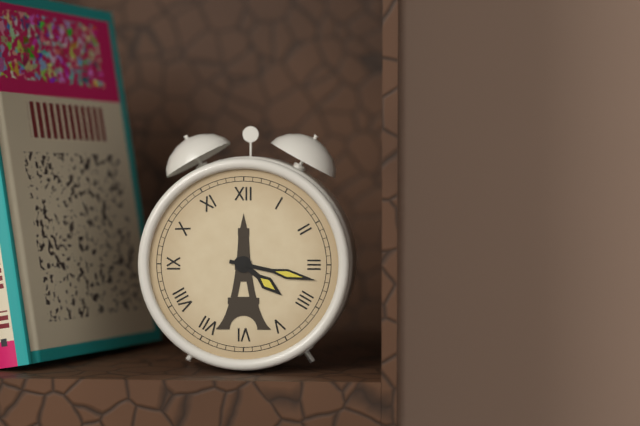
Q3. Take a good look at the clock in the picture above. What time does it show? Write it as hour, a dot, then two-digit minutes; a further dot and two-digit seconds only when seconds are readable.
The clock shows 4.17
